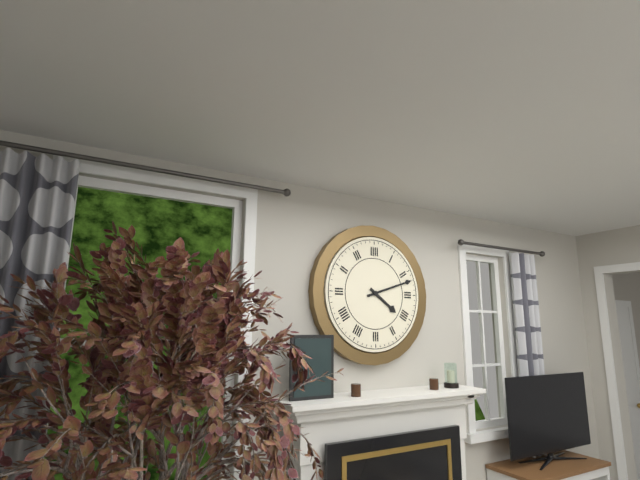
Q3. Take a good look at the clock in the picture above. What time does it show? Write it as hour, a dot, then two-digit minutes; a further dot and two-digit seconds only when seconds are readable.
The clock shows 4.12
